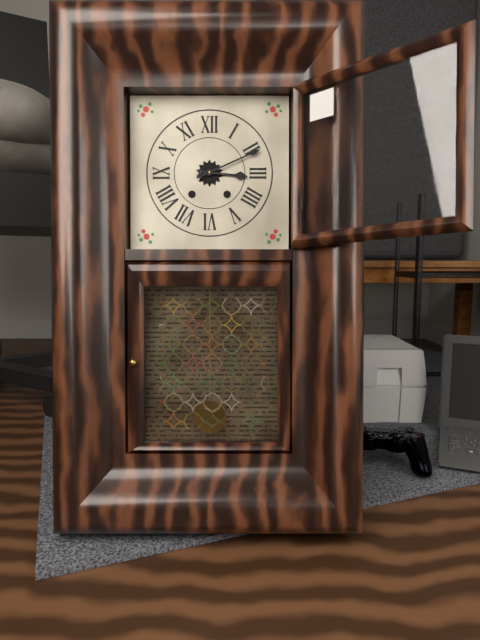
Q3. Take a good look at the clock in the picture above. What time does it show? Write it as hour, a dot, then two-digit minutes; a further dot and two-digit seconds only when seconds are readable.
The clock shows 3.11
